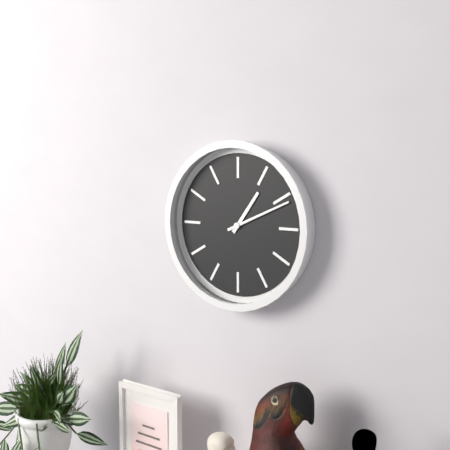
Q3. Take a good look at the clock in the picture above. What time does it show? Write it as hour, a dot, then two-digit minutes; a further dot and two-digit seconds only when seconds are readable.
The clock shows 1.11
